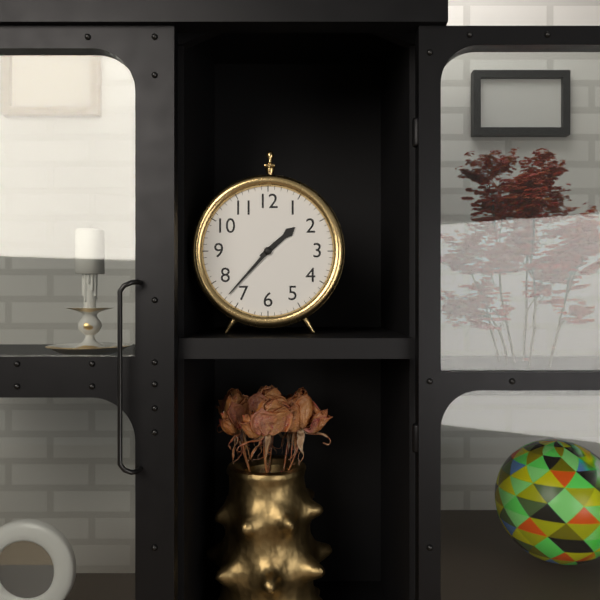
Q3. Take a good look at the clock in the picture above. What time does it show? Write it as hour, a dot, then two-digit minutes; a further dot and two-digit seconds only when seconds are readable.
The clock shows 1.37
